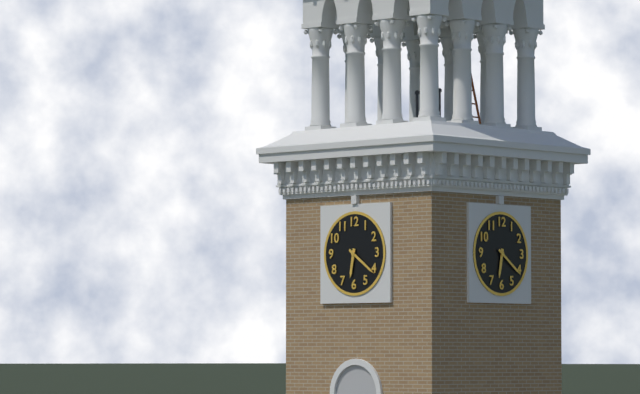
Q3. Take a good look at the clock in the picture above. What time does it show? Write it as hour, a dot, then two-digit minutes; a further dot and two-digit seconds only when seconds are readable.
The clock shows 6.21
